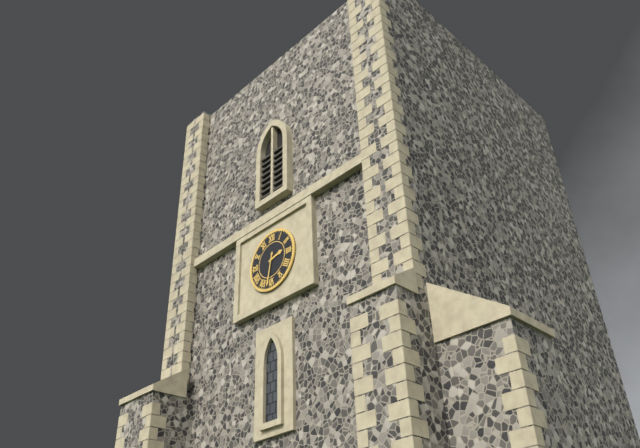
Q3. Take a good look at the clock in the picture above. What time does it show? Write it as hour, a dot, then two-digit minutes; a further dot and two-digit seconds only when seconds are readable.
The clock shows 2.32
